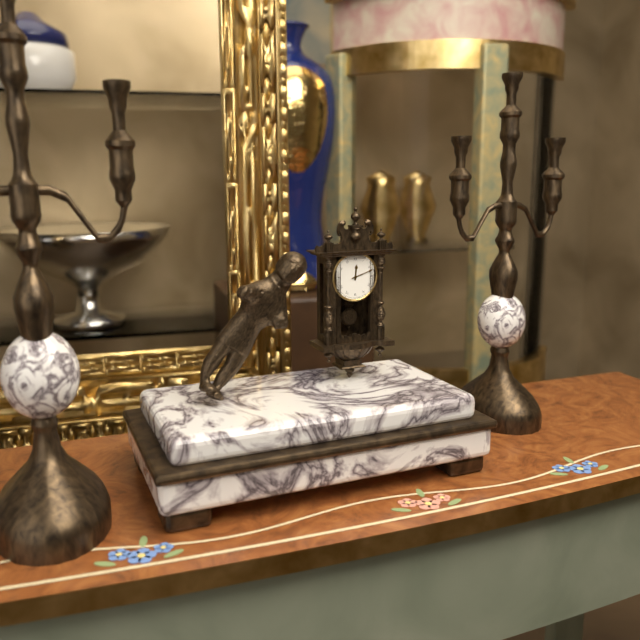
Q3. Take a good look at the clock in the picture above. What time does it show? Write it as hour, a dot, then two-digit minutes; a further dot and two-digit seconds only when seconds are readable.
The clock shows 12.12
